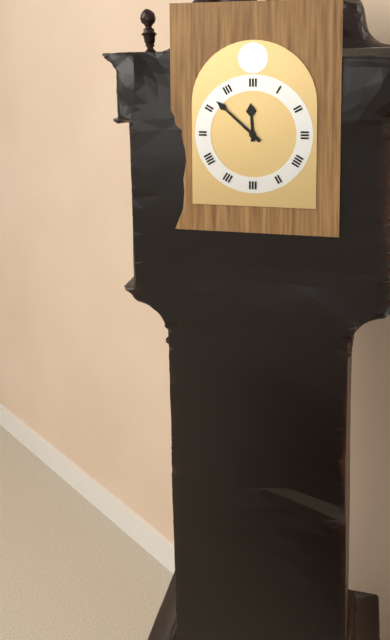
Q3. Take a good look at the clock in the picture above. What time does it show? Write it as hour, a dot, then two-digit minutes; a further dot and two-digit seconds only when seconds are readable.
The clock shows 11.52
